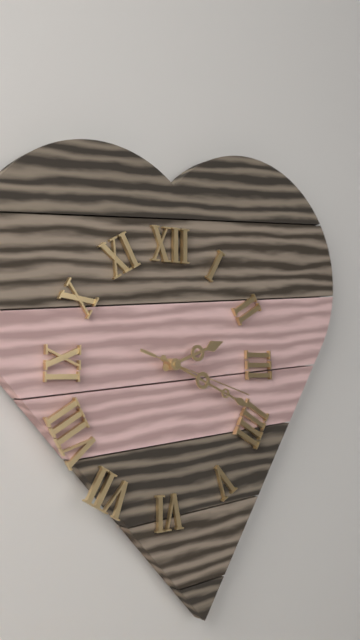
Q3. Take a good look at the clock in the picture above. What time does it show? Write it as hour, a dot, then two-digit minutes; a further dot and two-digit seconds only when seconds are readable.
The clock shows 2.19.18
